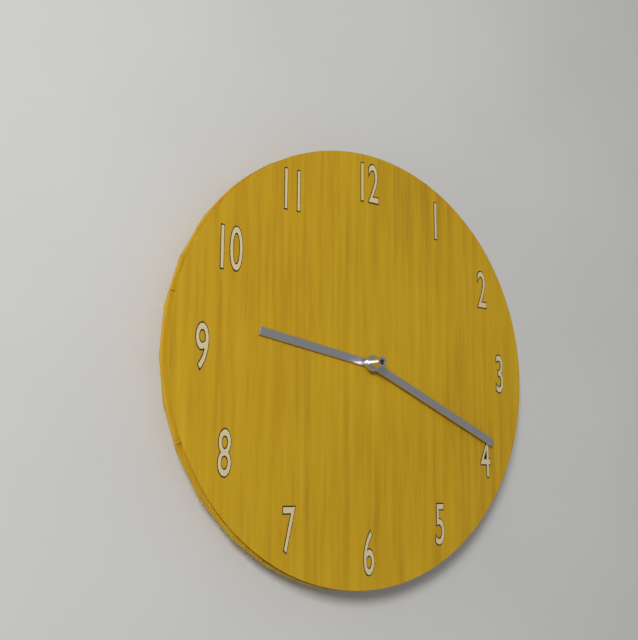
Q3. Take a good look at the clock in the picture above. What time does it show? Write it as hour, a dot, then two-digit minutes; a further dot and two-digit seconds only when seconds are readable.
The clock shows 9.19
